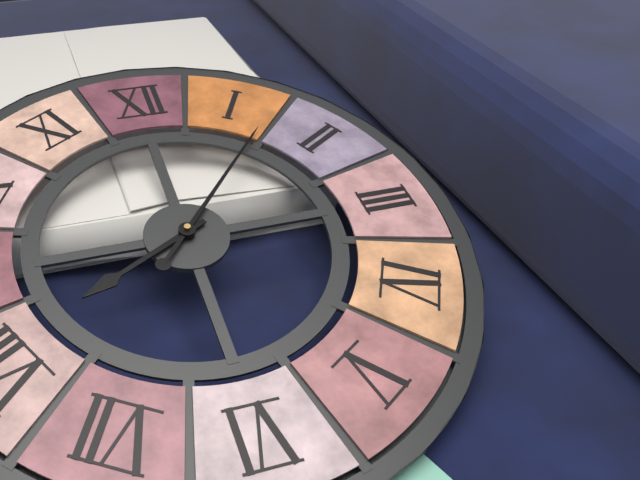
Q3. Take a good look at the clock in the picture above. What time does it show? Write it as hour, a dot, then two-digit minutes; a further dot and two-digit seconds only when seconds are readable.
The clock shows 8.07
